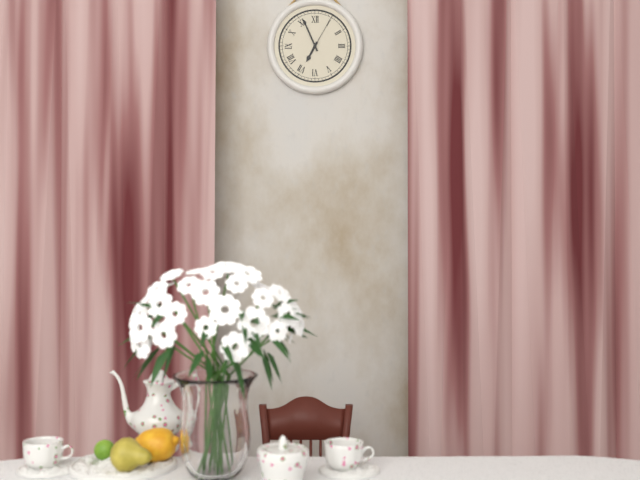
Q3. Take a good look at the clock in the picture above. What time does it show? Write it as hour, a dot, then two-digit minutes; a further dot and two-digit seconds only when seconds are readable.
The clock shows 6.56
